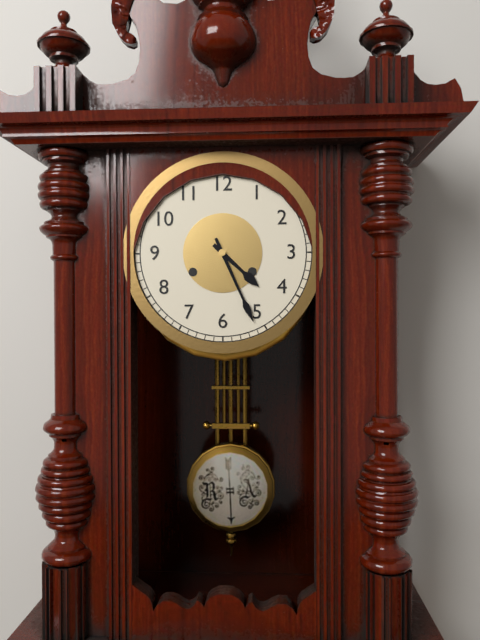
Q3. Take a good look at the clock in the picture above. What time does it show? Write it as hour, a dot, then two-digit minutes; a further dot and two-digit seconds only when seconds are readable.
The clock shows 4.26
